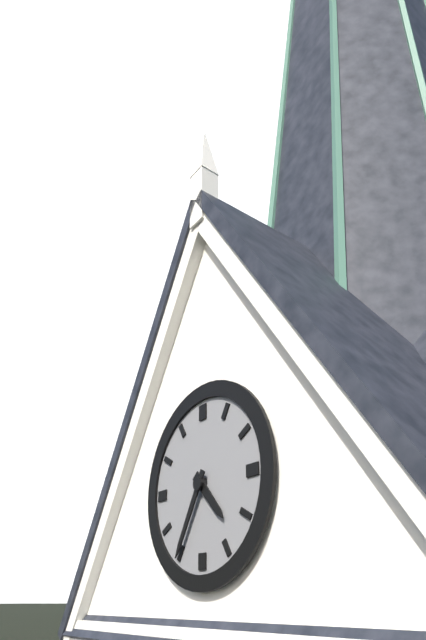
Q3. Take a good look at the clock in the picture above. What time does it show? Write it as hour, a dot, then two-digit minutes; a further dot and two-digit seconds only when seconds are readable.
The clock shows 4.35
